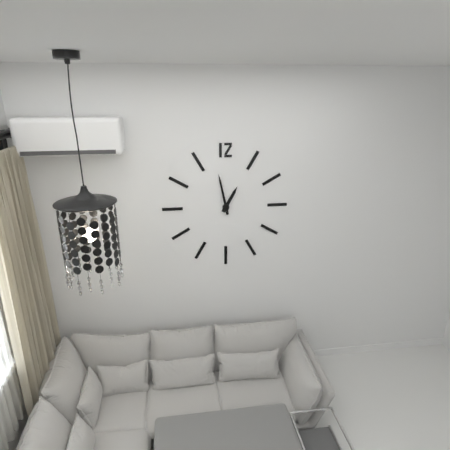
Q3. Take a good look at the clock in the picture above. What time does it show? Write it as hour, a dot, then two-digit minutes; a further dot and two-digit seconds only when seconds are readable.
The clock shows 12.58
